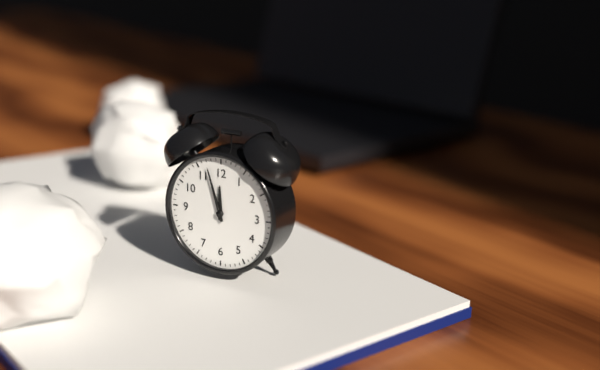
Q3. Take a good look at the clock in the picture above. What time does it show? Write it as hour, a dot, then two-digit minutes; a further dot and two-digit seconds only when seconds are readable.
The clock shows 11.57
